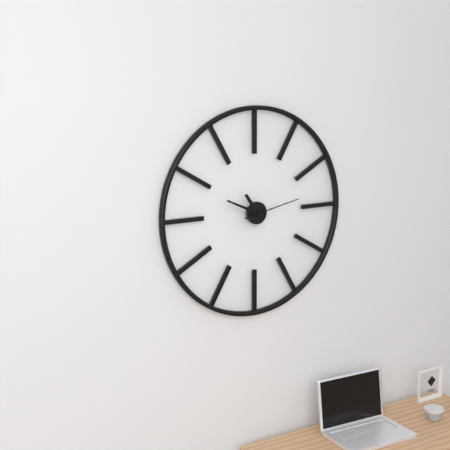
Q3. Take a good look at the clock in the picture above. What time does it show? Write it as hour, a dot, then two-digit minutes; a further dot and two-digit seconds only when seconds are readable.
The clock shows 10.49.13
